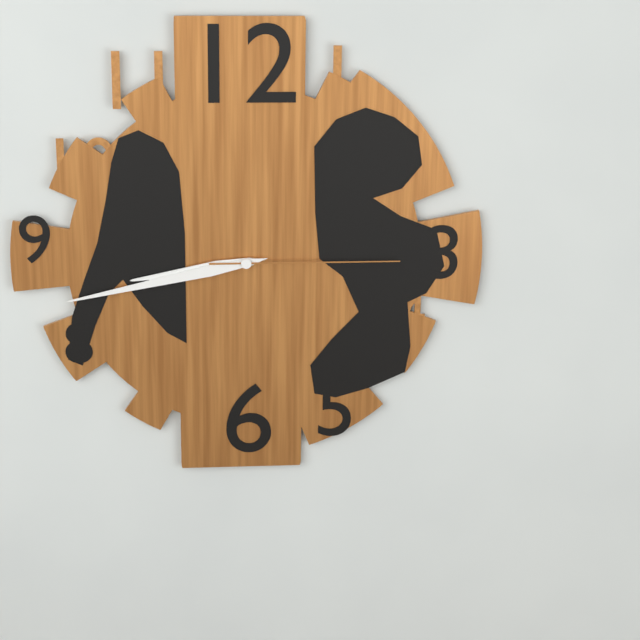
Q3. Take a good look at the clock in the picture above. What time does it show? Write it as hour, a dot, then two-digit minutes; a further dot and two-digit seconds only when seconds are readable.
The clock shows 8.43.15
